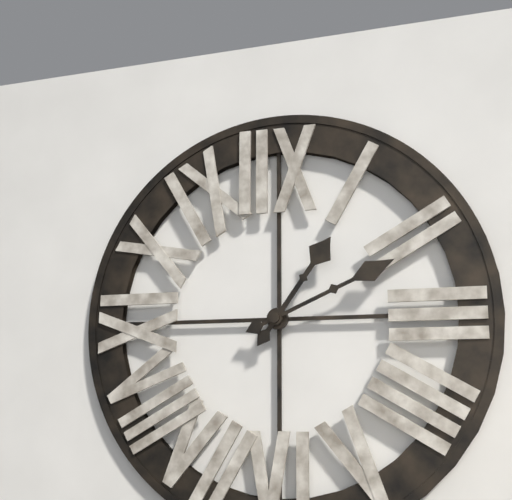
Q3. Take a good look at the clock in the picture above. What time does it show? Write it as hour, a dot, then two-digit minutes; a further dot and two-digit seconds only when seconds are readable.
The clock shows 1.11
